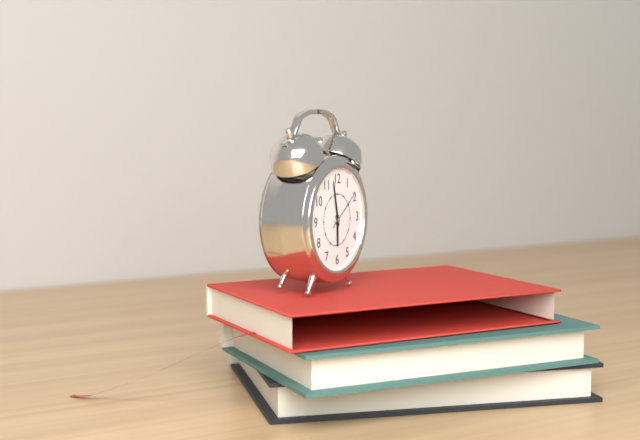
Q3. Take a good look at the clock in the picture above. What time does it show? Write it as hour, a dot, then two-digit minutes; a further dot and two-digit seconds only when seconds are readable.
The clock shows 5.58
